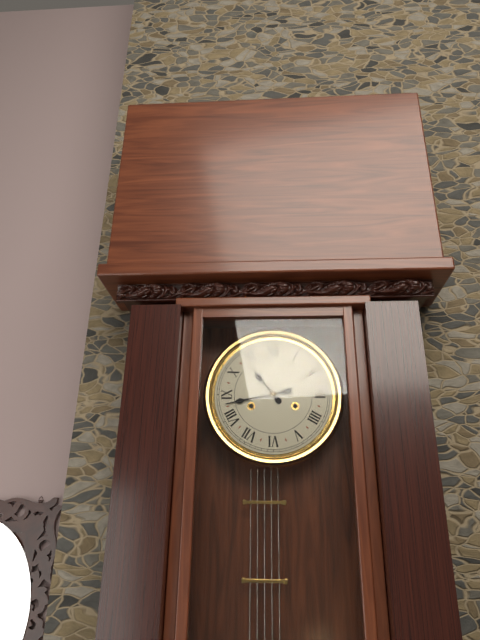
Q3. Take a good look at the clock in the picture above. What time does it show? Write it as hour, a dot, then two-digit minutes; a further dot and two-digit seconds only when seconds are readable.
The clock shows 10.43
